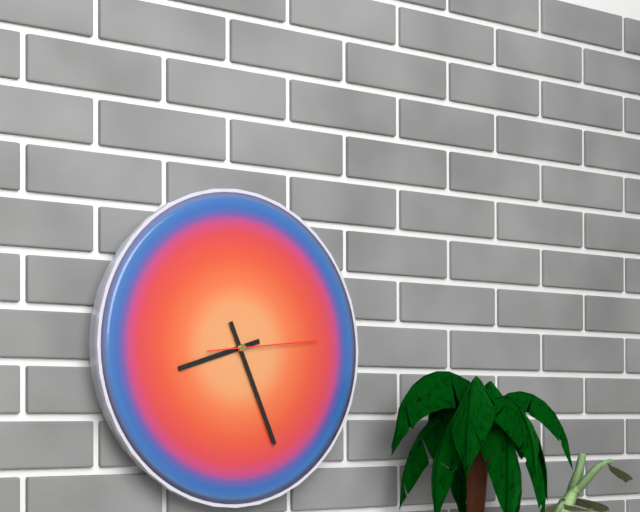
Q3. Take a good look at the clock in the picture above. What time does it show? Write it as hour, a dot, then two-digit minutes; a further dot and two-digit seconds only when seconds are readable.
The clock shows 8.26.14
